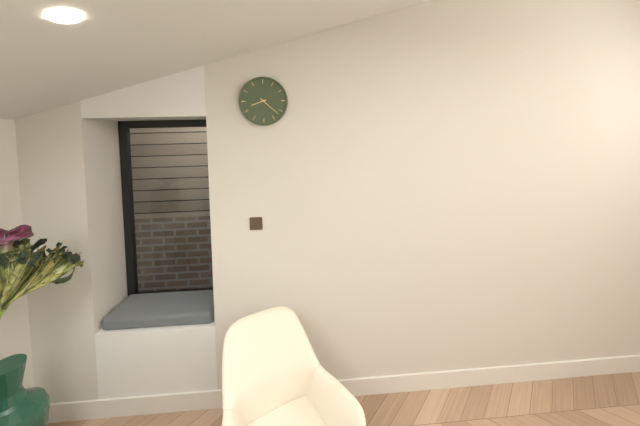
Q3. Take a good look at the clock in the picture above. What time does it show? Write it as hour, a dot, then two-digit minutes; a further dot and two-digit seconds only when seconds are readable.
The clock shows 8.22
